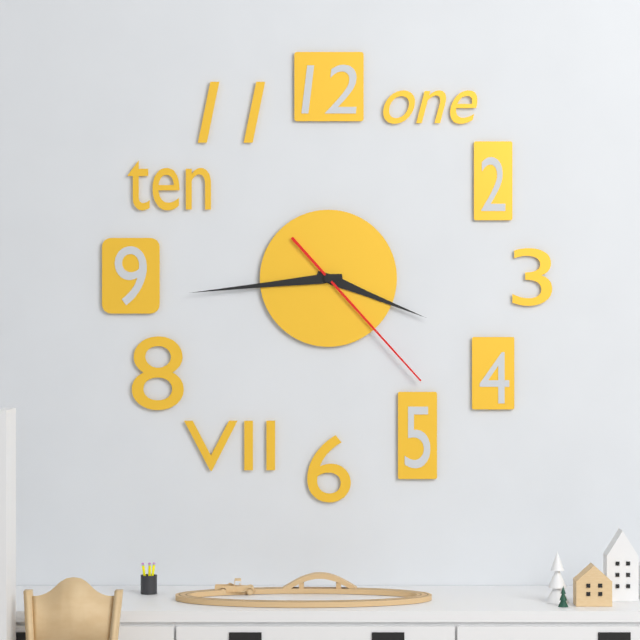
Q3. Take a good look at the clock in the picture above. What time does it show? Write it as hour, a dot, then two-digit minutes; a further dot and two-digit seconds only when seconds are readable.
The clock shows 3.44.23
